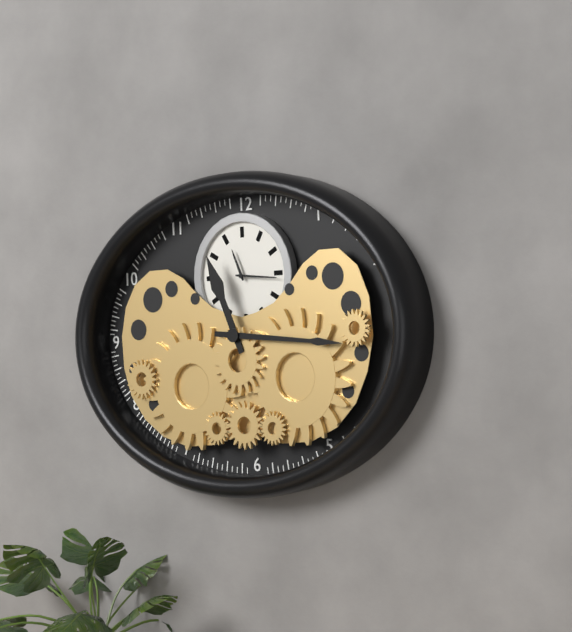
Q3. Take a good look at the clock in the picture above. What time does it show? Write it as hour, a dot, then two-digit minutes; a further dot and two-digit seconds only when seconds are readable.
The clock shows 11.16
